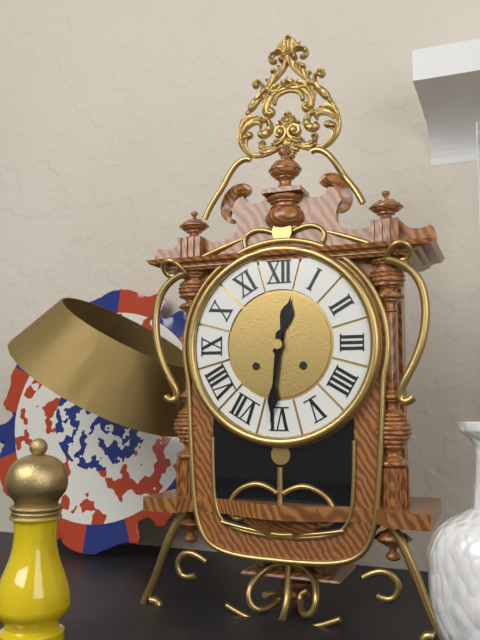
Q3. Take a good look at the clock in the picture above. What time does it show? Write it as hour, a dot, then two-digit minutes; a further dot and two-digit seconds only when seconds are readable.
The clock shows 12.31
